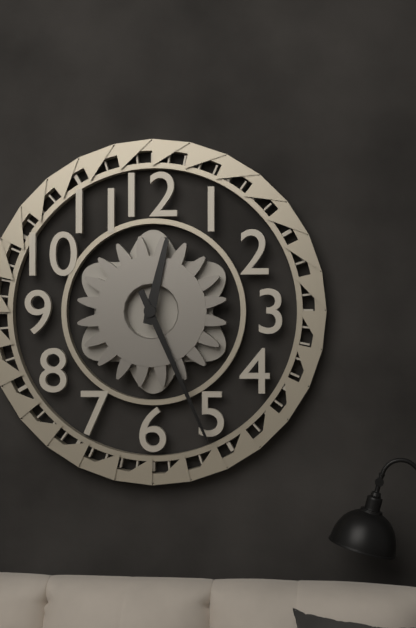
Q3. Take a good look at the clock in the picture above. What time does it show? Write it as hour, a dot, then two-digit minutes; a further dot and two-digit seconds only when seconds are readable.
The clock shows 12.26
